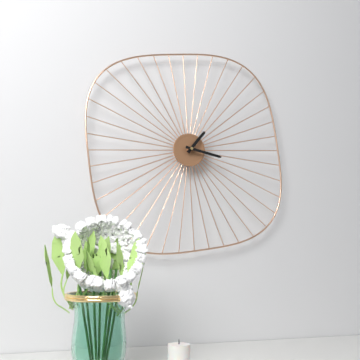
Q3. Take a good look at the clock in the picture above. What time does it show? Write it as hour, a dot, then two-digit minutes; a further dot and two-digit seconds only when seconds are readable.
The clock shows 1.17
